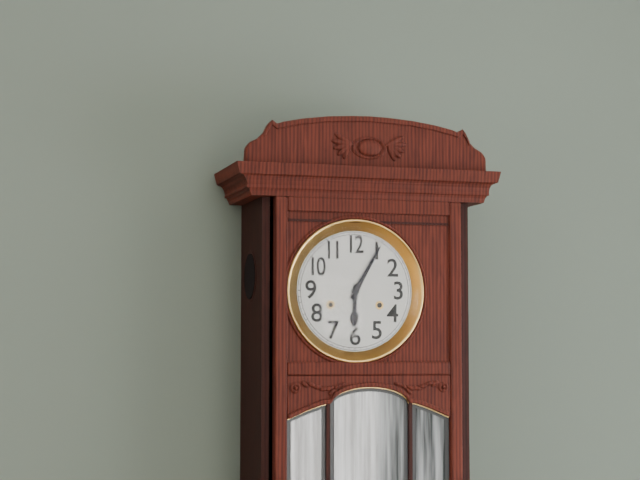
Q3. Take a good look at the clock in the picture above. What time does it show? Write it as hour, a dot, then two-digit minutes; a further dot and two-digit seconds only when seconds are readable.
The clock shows 6.05
